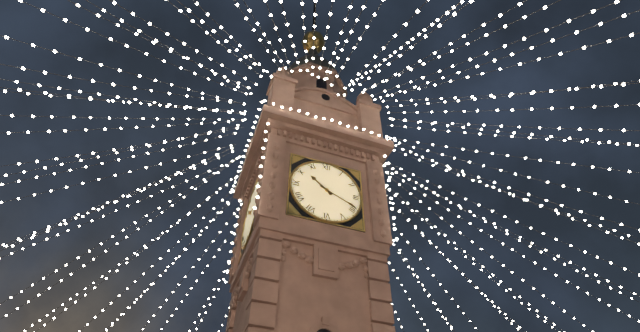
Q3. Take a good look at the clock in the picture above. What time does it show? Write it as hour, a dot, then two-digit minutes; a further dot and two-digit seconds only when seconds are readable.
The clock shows 10.19
